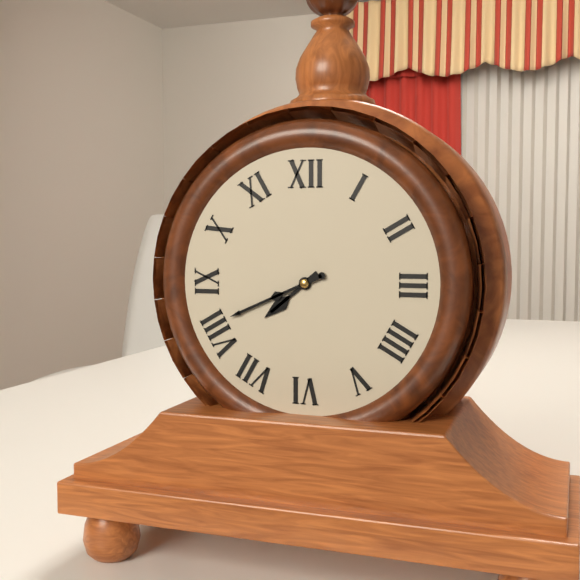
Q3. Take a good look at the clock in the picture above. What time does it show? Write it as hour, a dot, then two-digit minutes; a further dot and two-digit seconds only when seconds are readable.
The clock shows 7.41
